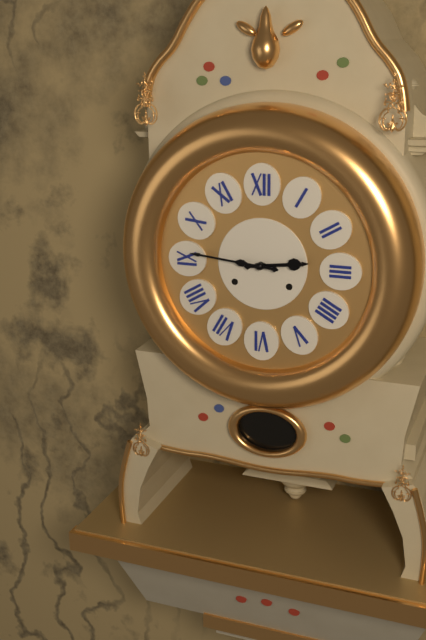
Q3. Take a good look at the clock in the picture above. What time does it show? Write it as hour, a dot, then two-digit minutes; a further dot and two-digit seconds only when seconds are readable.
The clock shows 2.46
